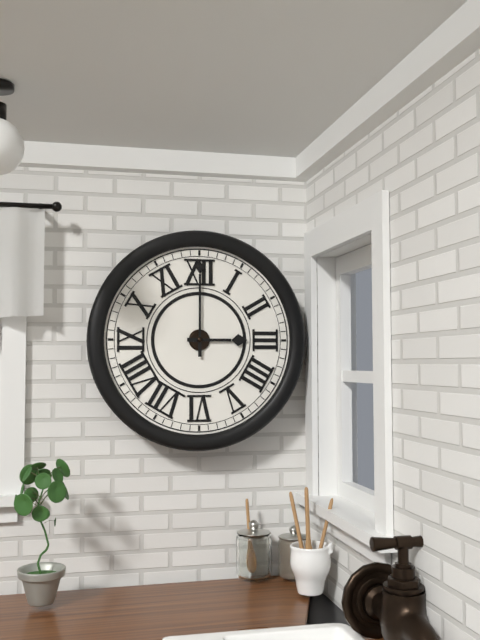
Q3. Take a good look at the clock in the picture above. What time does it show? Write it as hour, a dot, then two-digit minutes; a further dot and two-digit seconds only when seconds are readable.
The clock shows 3.00
